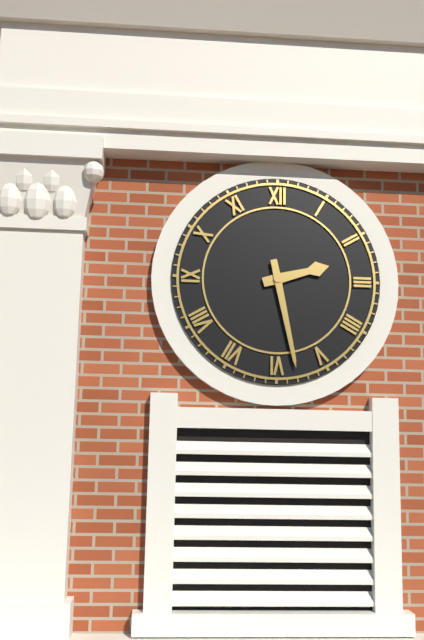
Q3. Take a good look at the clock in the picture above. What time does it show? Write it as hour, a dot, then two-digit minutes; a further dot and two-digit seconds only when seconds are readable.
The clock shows 2.28
